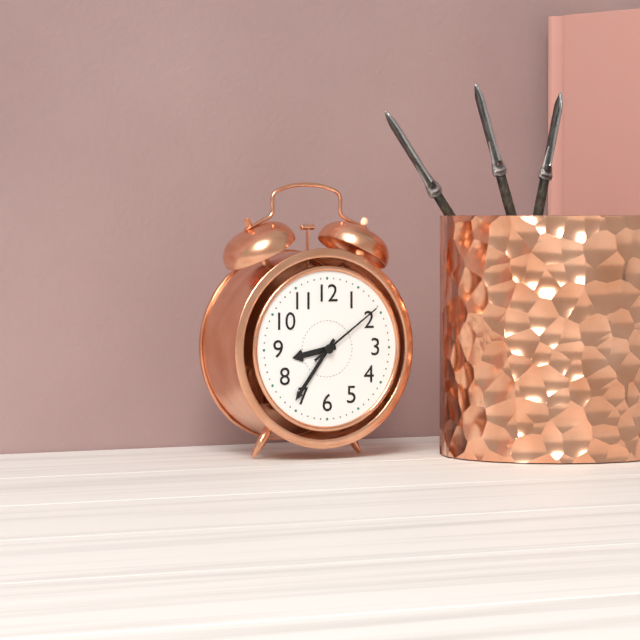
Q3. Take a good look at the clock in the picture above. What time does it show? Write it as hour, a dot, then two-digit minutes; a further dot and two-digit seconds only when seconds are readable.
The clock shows 8.36.09
